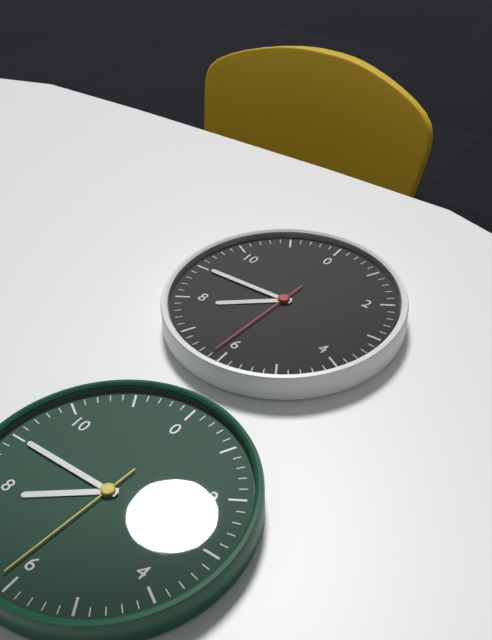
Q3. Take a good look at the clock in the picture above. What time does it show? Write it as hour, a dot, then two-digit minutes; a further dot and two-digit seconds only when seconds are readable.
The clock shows 7.45.31
